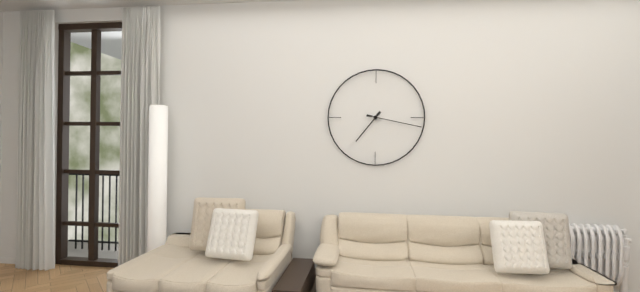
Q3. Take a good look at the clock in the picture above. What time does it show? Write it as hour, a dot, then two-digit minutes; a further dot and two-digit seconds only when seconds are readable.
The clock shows 7.17
